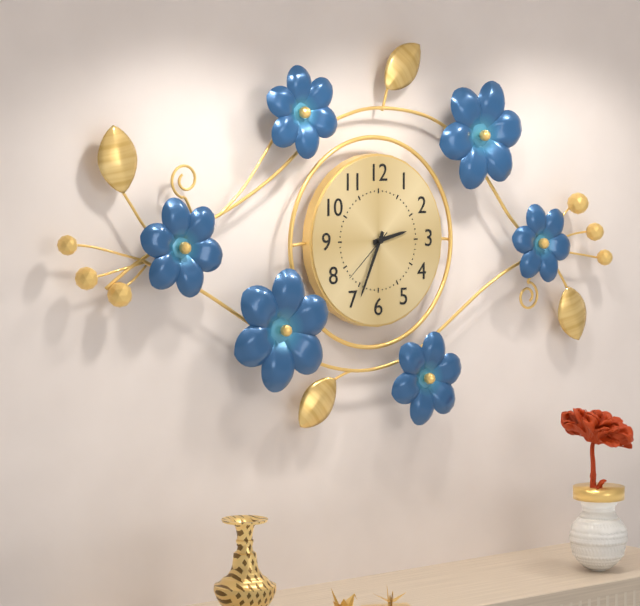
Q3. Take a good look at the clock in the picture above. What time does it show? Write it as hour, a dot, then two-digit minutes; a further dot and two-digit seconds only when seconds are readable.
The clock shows 2.34.38
